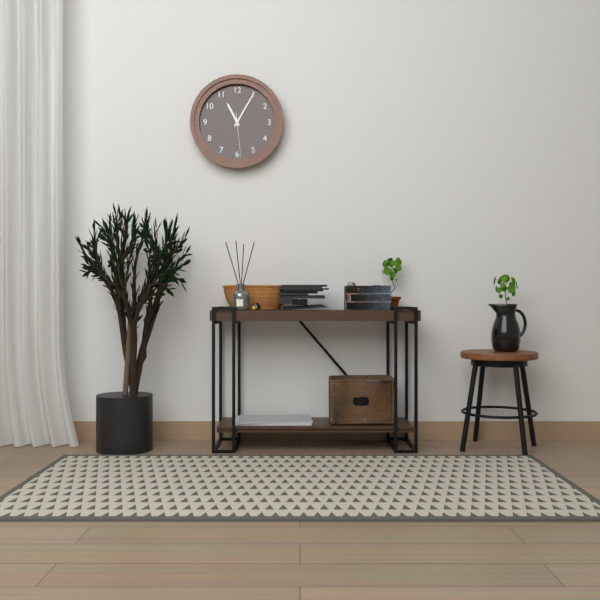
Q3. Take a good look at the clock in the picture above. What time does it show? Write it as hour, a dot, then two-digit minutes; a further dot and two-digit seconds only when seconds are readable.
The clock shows 11.05
